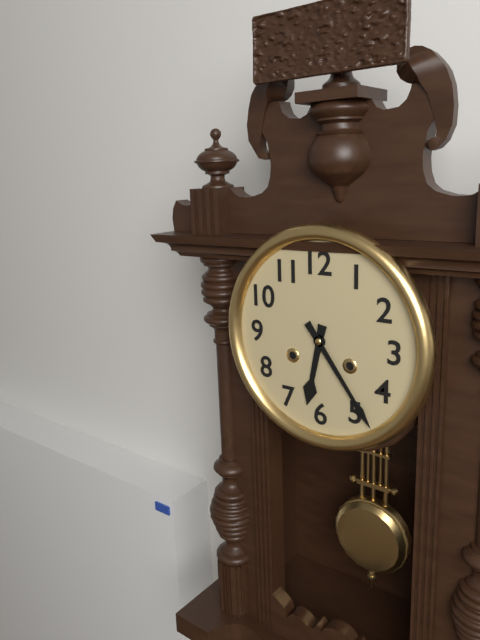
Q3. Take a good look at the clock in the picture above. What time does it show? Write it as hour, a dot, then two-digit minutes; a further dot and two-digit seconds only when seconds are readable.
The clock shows 6.24
